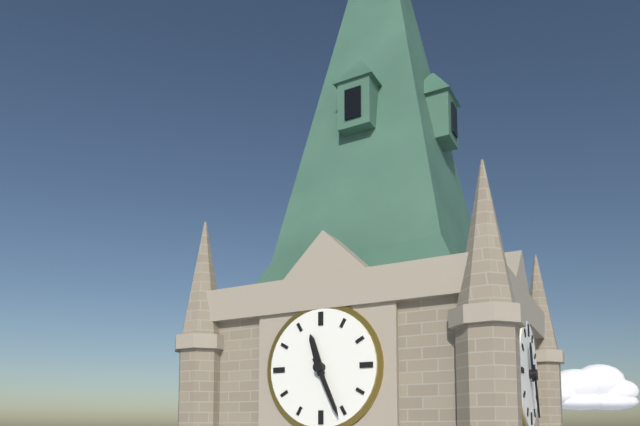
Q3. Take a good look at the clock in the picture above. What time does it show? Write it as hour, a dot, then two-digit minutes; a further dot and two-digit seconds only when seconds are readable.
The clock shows 11.26
